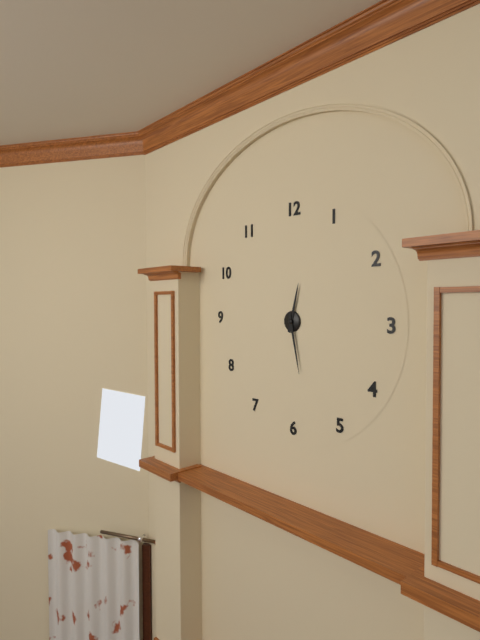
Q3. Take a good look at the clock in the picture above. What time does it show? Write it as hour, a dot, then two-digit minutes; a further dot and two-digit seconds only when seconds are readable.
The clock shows 12.28
